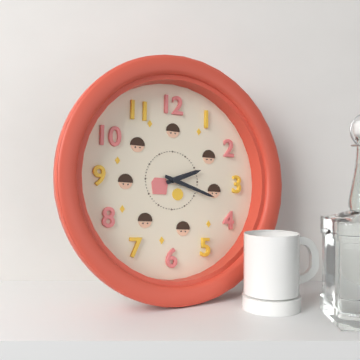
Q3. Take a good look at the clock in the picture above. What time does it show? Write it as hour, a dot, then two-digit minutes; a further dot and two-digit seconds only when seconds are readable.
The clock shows 2.18
